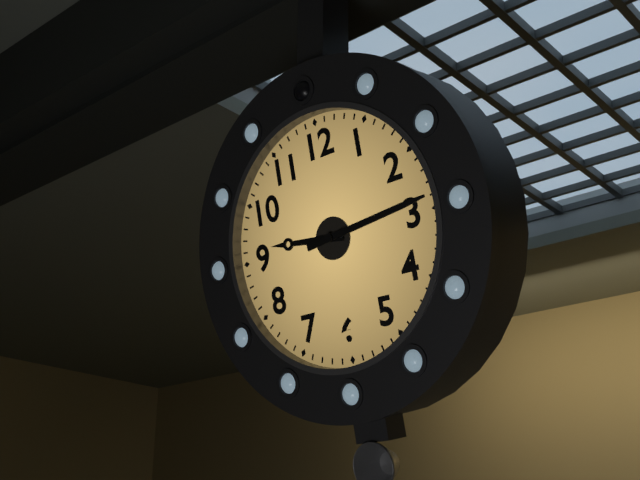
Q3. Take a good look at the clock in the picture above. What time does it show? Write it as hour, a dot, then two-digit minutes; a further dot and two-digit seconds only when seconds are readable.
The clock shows 9.14
